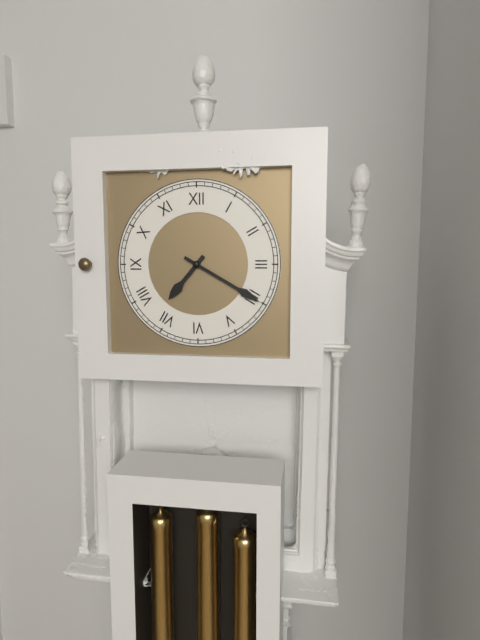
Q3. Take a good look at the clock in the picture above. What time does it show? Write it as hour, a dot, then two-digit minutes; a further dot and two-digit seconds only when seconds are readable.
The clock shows 7.20
